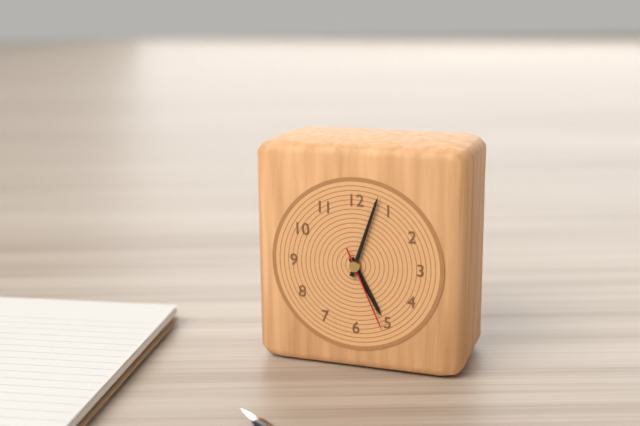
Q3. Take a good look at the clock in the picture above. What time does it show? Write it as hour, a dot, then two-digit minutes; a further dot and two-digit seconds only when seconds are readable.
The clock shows 5.03.26
